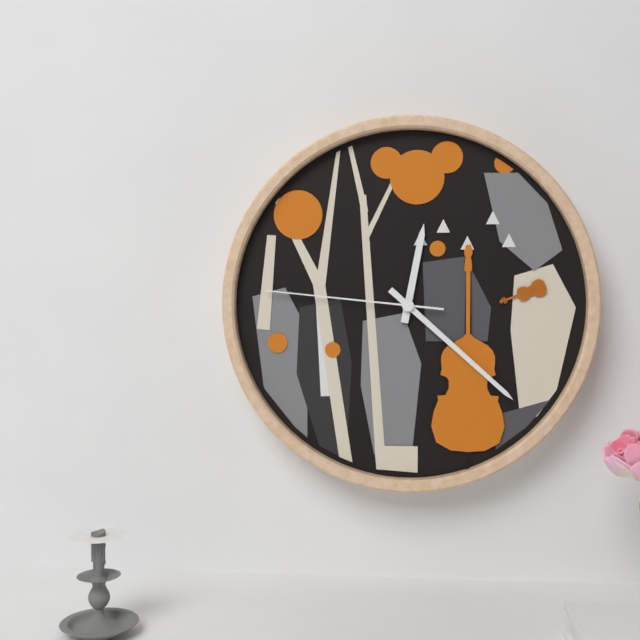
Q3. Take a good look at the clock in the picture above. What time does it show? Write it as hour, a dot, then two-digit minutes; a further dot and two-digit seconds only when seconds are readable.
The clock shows 12.22.46
